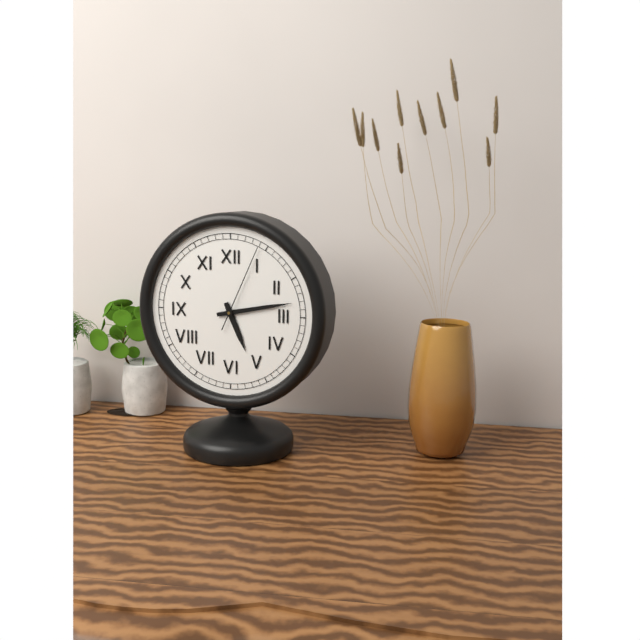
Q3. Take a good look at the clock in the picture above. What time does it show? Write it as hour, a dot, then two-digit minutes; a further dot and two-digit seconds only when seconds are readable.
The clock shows 5.13.04
